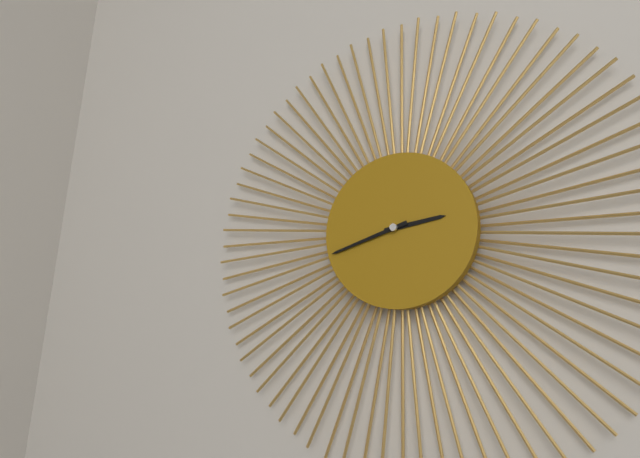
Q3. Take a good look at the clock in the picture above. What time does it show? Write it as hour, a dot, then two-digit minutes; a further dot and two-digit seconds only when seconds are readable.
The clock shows 2.42
